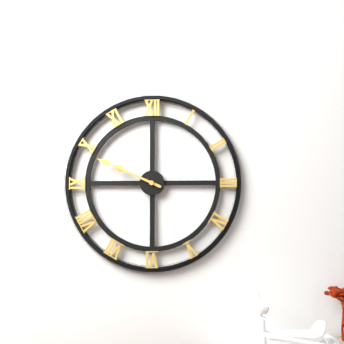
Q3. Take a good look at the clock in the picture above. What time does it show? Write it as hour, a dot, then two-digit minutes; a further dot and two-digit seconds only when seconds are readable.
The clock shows 9.49
